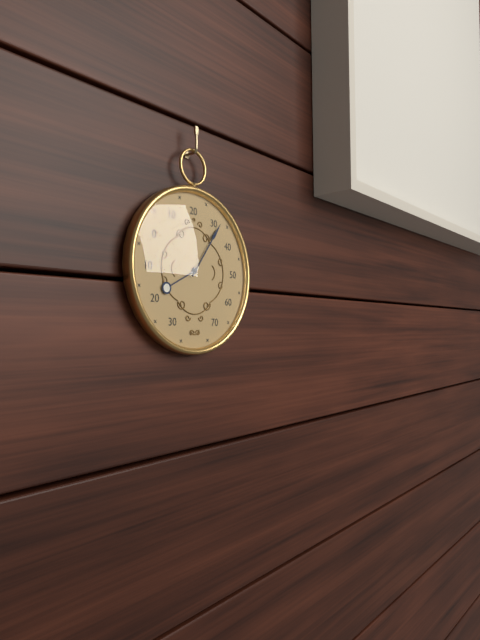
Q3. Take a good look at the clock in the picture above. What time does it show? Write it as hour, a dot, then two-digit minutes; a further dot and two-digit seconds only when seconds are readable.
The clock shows 8.06
